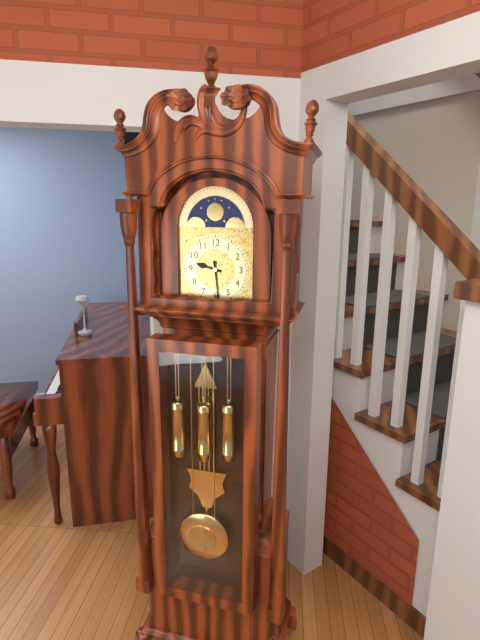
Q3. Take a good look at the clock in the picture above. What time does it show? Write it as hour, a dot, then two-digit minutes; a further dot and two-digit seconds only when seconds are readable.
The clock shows 9.29
